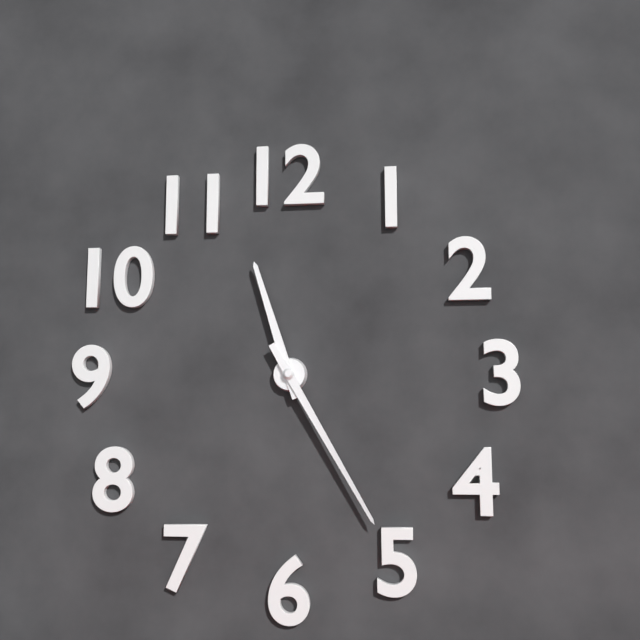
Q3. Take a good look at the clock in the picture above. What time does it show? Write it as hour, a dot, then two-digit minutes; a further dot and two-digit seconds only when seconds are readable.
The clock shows 11.25
